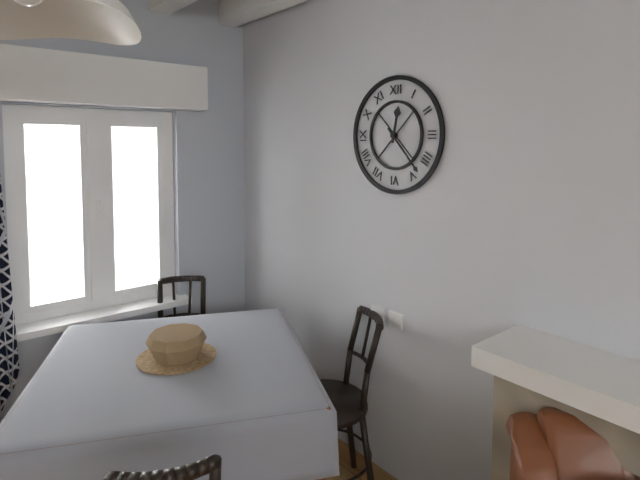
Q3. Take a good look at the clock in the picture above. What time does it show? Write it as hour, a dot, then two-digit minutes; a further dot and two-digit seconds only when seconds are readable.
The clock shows 12.23
